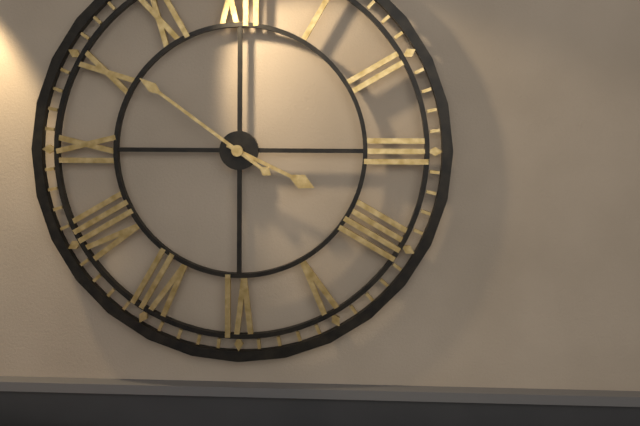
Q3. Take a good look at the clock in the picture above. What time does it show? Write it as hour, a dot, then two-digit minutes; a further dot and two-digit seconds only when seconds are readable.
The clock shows 3.51
